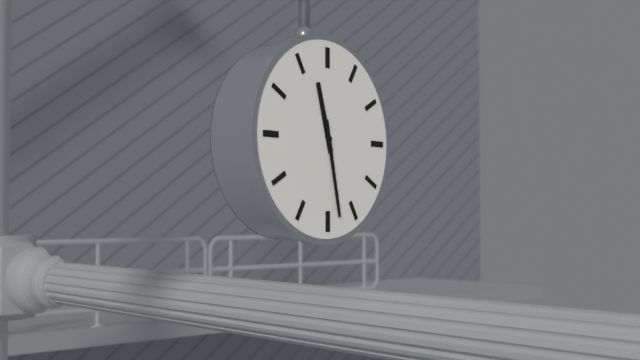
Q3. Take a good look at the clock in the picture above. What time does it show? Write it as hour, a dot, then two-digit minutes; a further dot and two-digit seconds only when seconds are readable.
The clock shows 11.28
